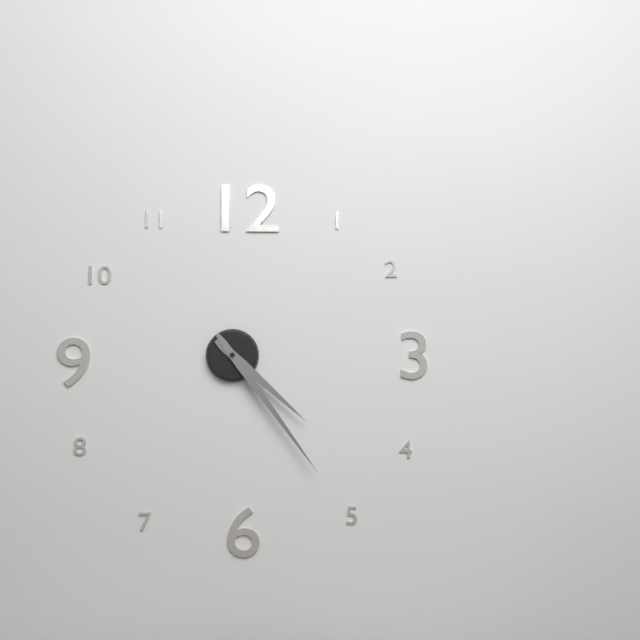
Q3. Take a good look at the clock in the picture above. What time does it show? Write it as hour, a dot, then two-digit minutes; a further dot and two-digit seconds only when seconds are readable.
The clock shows 4.24
